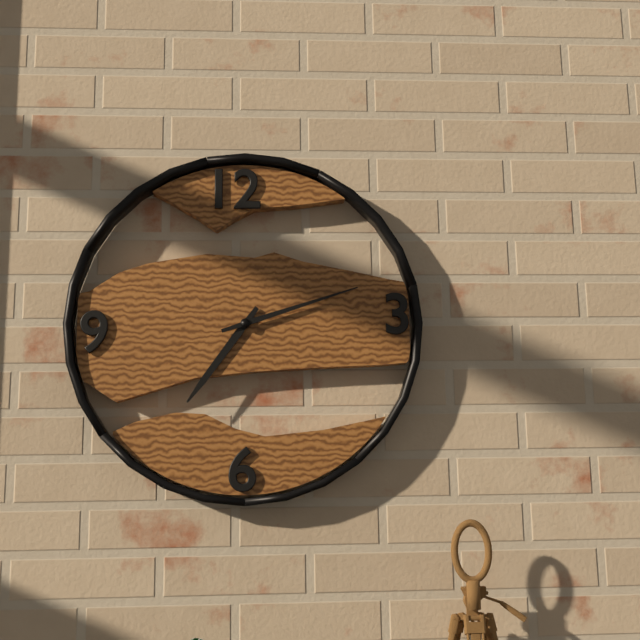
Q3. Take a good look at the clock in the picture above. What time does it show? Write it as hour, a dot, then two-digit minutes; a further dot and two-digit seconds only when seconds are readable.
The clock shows 7.12
